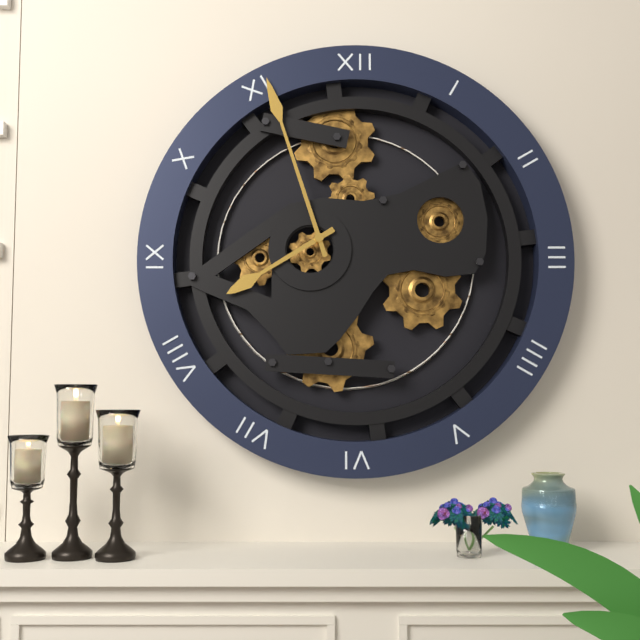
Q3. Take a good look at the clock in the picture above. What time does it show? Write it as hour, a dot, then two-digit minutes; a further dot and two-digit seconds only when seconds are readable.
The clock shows 7.57
